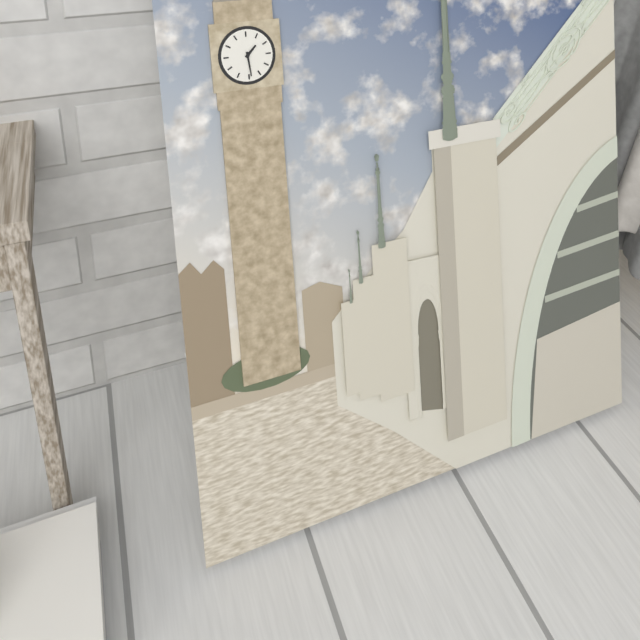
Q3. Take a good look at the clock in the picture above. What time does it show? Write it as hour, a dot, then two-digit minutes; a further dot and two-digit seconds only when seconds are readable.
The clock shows 1.29
